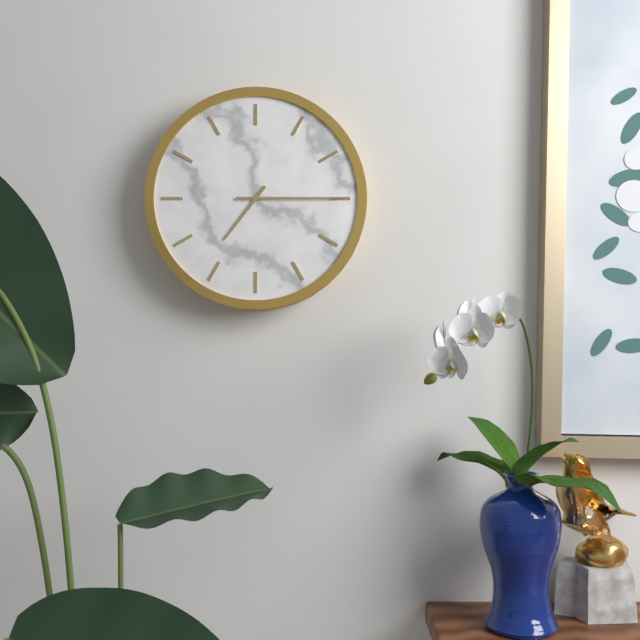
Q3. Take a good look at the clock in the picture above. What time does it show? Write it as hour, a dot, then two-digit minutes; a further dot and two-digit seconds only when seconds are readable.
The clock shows 7.15
